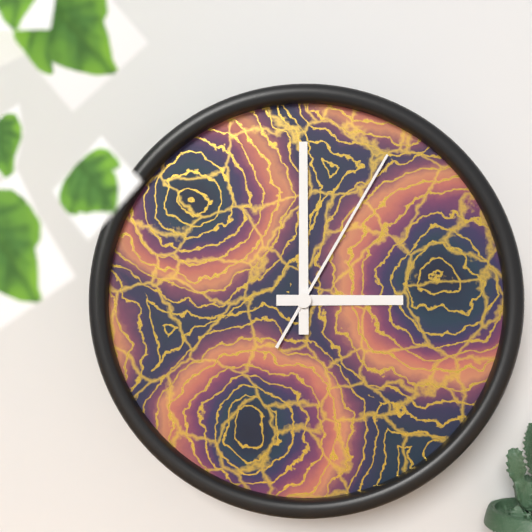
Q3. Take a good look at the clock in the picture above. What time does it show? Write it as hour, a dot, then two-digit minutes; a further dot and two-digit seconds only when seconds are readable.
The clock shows 3.00.05
